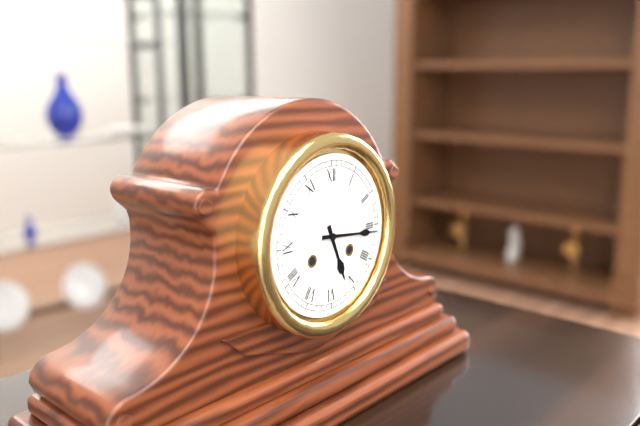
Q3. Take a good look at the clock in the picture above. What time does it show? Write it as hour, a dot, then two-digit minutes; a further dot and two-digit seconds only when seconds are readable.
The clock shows 5.16
